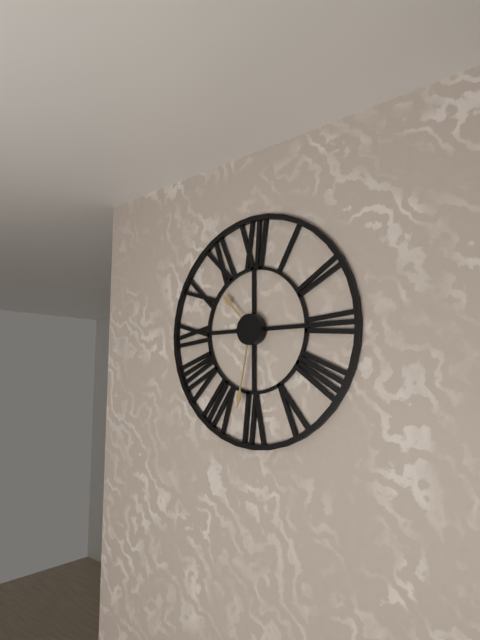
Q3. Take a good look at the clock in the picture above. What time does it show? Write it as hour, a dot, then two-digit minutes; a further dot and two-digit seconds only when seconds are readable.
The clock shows 10.32
